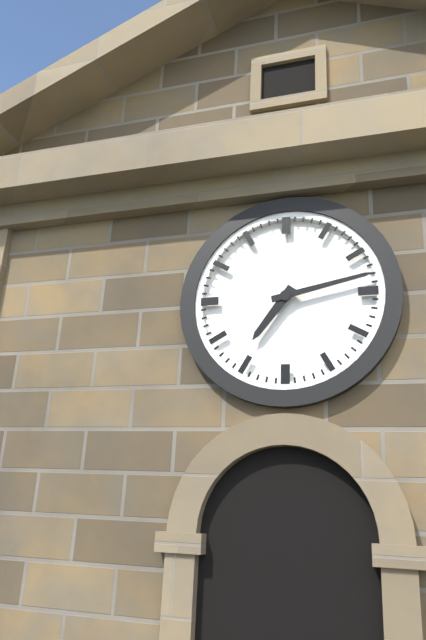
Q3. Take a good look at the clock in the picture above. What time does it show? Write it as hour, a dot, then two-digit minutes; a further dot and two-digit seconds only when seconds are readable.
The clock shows 7.13
